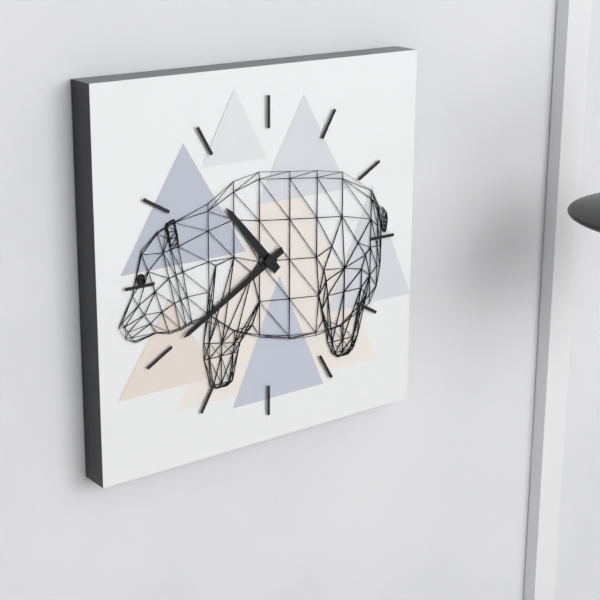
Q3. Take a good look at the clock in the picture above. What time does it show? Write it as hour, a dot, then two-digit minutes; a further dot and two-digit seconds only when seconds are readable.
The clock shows 10.40
